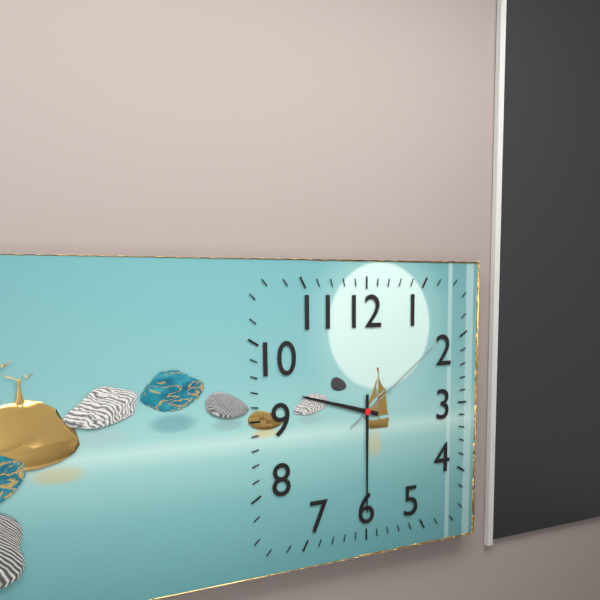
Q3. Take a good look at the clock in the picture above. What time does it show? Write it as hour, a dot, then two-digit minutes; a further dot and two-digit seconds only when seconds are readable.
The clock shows 9.30.09
